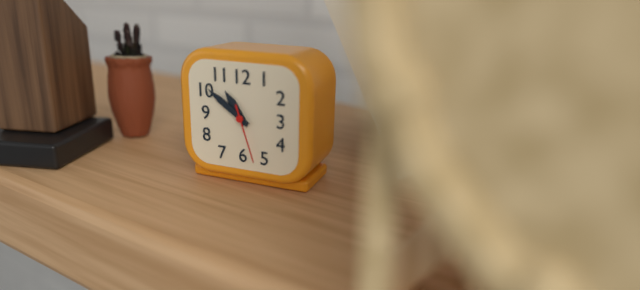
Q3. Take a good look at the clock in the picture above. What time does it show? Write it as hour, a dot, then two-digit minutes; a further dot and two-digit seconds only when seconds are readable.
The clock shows 10.51.27
